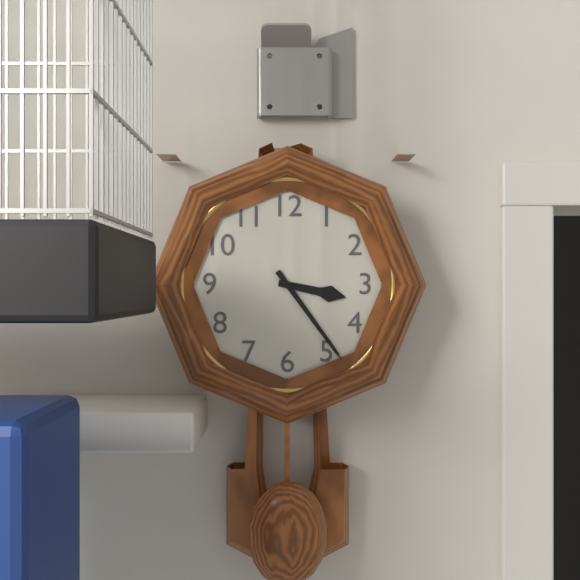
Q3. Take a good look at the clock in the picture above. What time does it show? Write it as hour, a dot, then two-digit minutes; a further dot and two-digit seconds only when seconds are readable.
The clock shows 3.24
